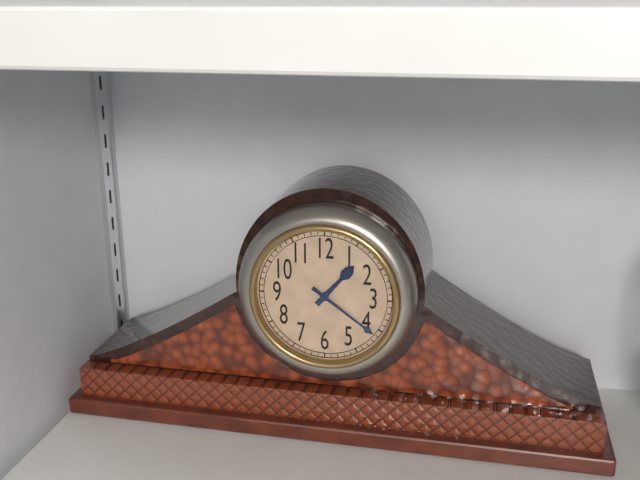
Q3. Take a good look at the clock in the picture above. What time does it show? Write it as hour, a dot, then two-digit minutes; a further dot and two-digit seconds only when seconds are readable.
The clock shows 1.21
